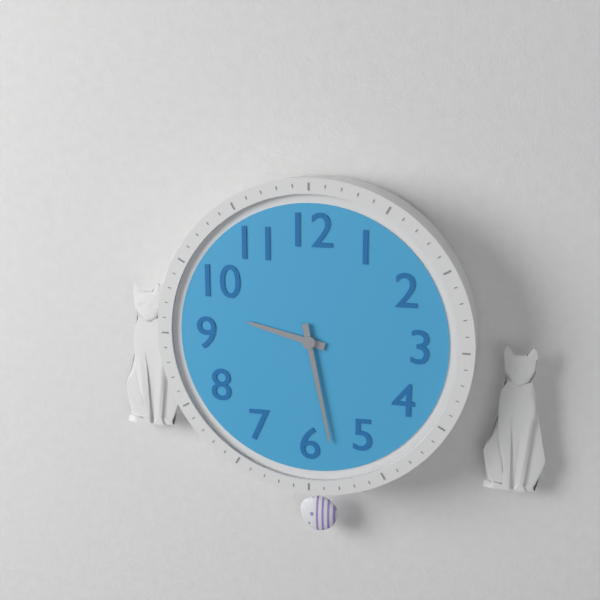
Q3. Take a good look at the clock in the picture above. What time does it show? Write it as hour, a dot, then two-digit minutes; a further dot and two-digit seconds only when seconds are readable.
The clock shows 9.28
